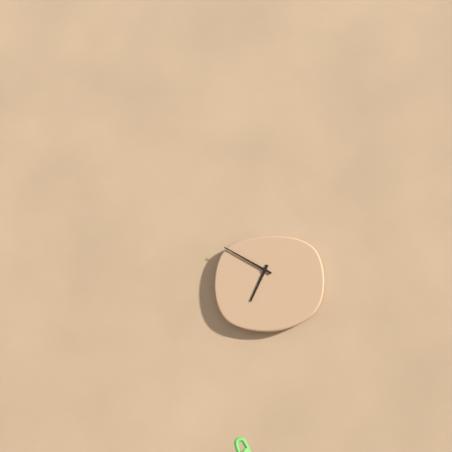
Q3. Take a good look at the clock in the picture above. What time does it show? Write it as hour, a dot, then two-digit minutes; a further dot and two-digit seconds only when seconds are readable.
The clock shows 6.50
